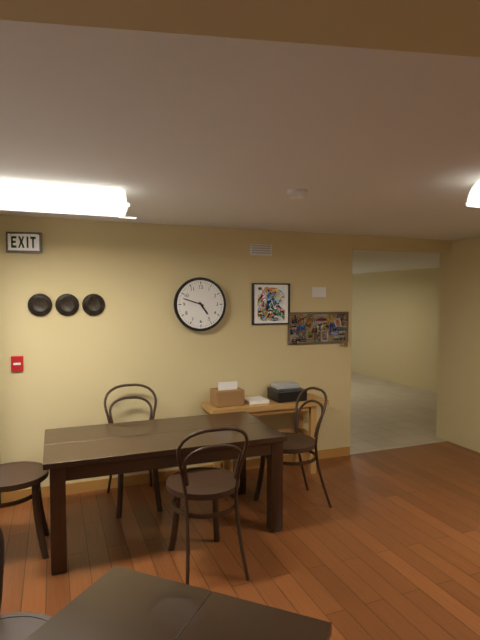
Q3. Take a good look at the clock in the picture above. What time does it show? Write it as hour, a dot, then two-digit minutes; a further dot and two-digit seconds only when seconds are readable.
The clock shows 4.48
